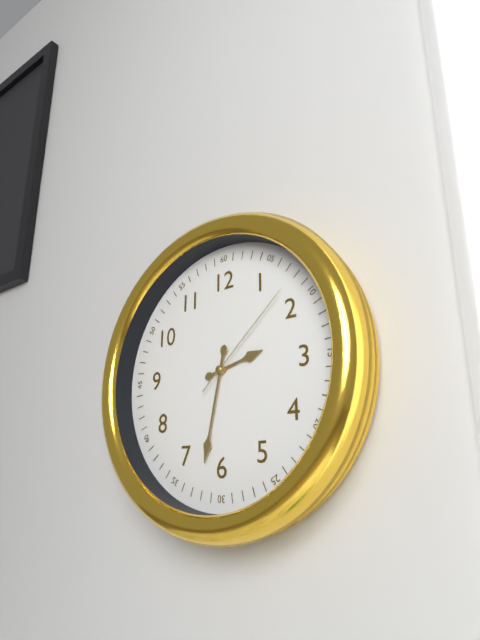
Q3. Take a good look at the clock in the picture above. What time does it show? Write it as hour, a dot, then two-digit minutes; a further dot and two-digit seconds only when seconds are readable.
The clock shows 2.32.08
